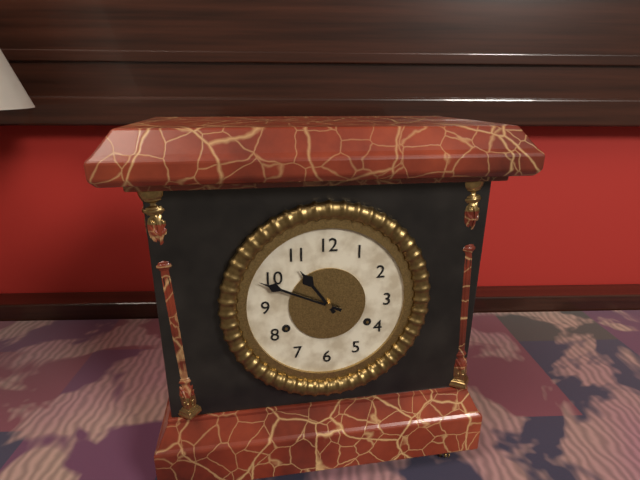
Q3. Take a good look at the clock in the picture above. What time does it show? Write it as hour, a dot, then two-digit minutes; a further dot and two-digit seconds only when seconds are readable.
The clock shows 10.49
